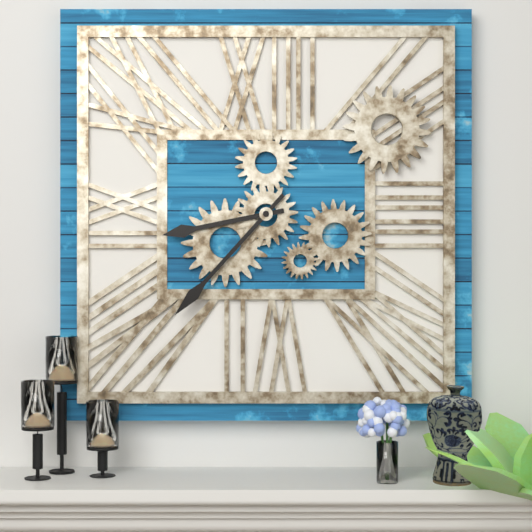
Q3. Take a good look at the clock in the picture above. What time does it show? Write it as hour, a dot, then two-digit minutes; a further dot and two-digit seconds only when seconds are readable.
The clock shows 8.37
